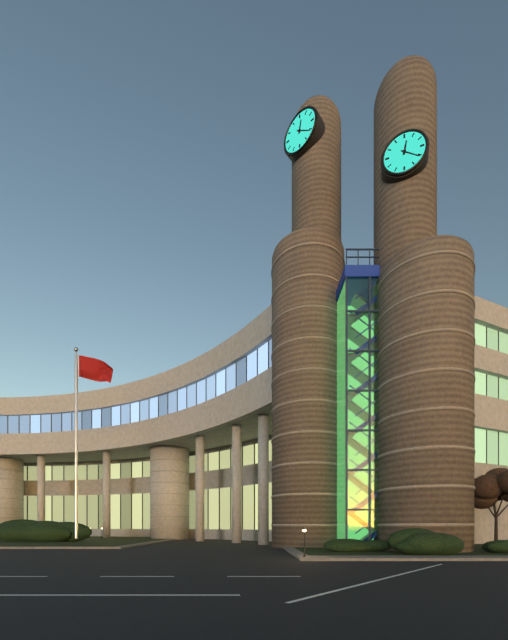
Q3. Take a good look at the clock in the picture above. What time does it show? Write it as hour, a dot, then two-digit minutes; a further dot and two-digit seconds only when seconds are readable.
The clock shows 12.21
